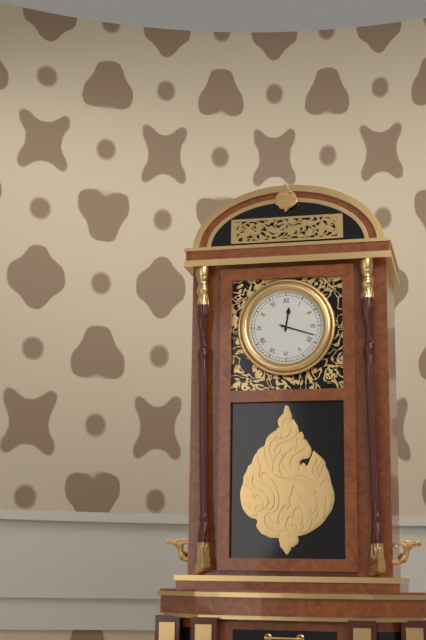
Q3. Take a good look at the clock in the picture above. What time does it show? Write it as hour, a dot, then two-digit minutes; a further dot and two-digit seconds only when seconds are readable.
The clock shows 12.18
